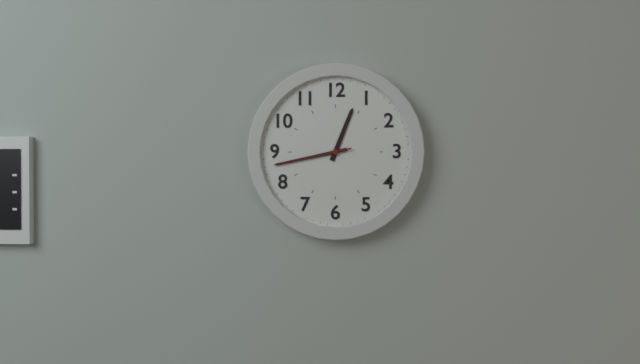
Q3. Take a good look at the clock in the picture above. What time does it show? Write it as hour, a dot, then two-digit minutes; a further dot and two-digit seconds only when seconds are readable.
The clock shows 12.43.43
